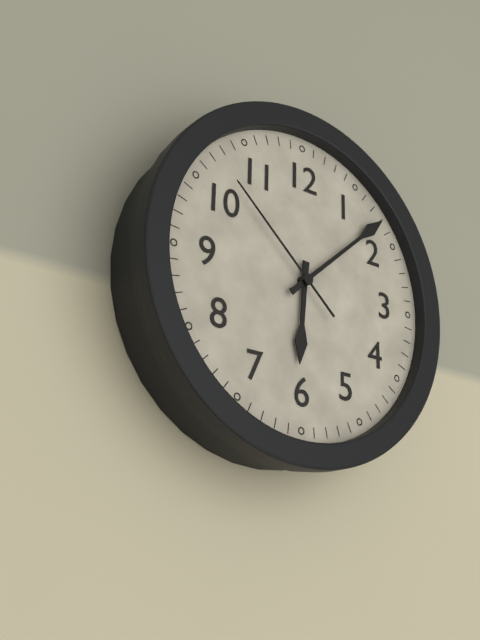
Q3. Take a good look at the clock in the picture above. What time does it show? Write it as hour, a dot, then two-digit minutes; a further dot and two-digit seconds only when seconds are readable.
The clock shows 6.08.52
